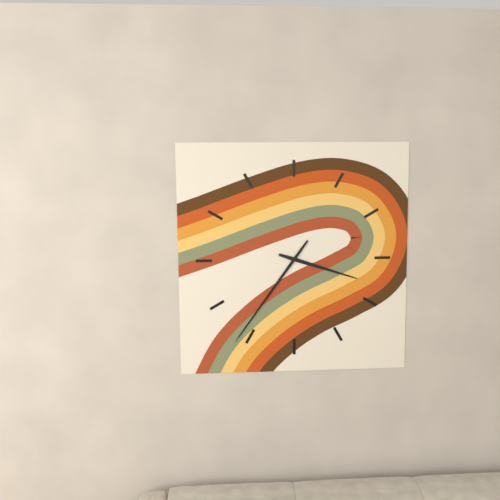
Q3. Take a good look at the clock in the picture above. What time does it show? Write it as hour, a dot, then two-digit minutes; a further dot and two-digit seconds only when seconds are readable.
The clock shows 3.36
